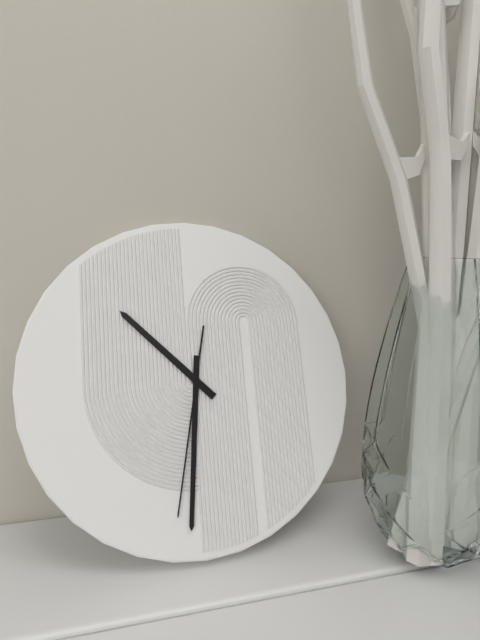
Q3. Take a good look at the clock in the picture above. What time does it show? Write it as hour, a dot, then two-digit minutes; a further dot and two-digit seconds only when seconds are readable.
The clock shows 10.31.32
